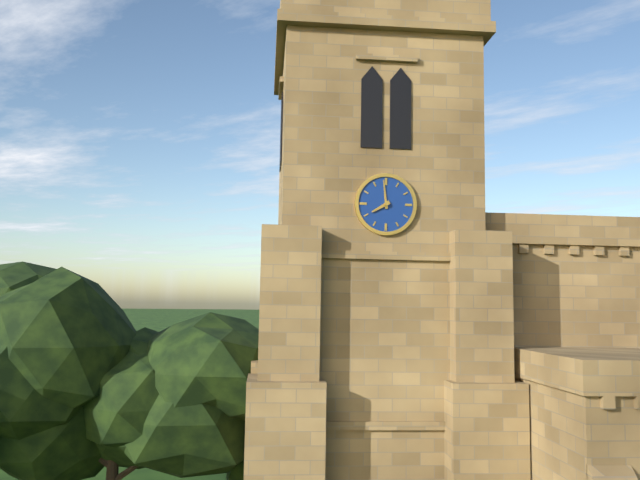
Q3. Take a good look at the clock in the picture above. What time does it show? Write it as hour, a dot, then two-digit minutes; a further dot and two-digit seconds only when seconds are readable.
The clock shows 7.59
